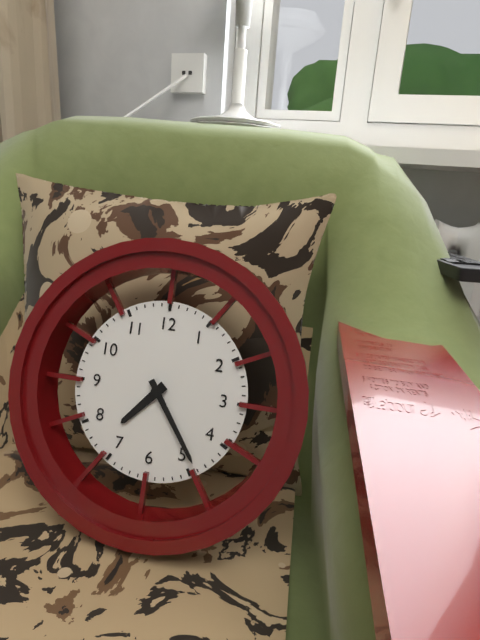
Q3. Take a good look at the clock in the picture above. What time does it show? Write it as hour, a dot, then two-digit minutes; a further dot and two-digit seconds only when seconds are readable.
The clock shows 7.24
